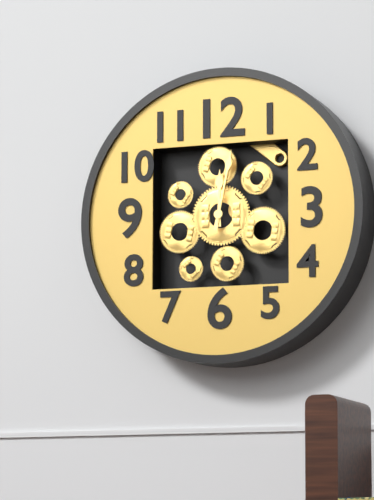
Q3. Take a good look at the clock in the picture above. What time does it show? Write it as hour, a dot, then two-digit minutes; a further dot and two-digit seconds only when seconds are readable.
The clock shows 12.02
